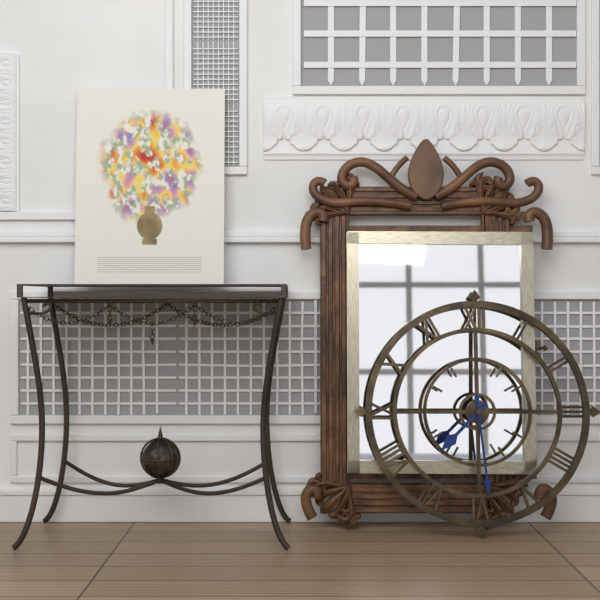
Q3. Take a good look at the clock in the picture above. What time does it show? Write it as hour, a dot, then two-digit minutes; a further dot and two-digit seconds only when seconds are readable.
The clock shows 7.29
